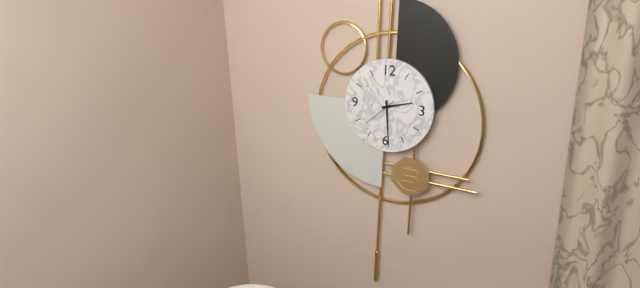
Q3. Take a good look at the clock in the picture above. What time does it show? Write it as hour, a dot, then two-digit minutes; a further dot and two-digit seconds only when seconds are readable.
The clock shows 2.29
